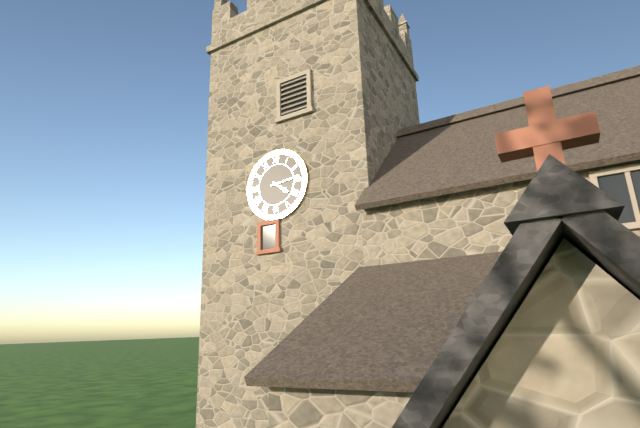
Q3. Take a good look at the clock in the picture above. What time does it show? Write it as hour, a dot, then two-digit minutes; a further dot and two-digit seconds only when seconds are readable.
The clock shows 4.14
